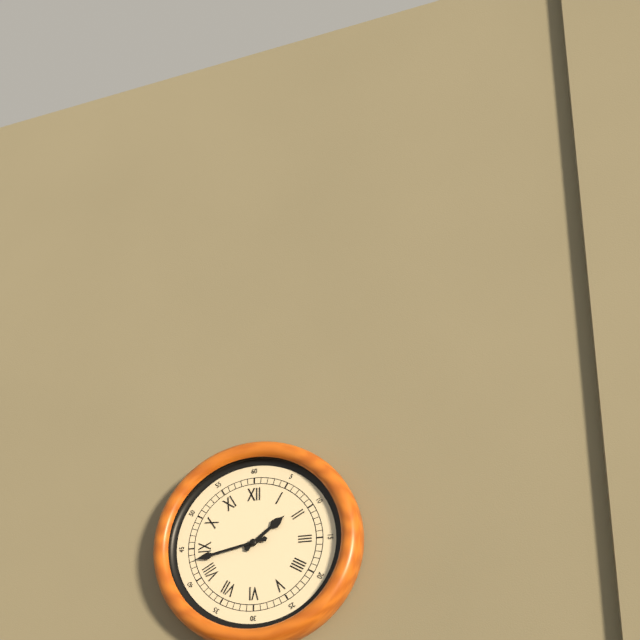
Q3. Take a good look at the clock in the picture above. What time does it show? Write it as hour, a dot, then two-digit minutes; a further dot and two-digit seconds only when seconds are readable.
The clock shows 1.43
